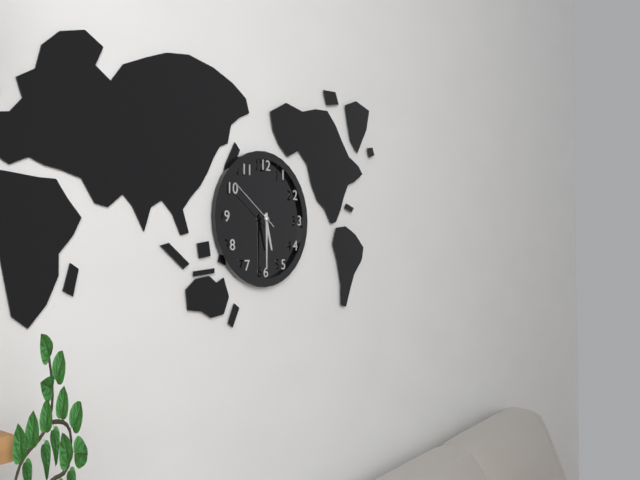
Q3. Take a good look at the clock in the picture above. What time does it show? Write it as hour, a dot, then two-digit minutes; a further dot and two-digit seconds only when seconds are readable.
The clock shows 5.30.51
